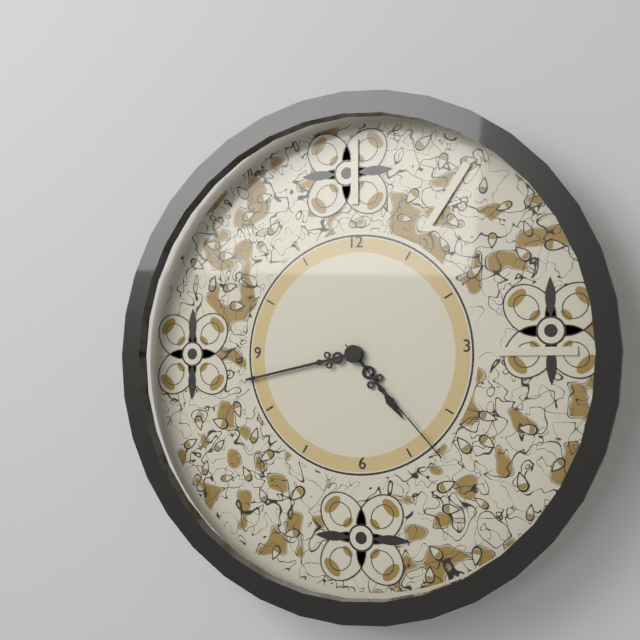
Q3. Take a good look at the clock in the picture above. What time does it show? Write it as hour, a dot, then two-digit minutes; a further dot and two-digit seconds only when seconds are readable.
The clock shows 4.43.23
